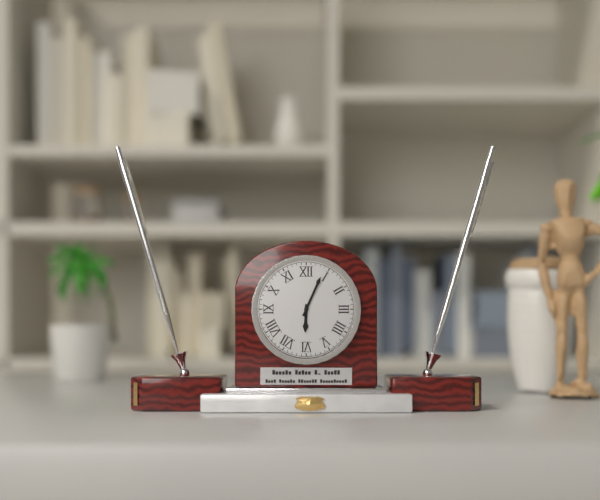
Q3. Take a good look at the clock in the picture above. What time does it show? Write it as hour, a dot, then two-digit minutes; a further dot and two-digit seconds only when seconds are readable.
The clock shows 6.04
